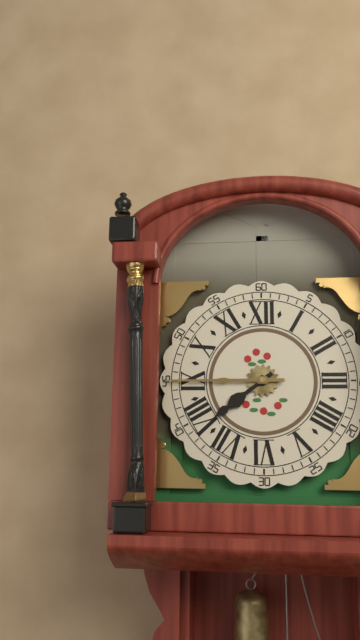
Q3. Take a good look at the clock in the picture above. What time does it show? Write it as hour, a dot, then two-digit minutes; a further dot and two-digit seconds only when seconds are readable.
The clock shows 7.45
